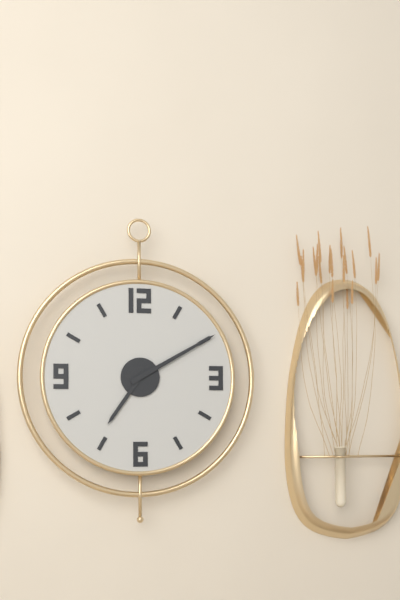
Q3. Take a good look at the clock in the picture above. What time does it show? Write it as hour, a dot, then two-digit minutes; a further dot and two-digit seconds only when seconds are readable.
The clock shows 7.10
